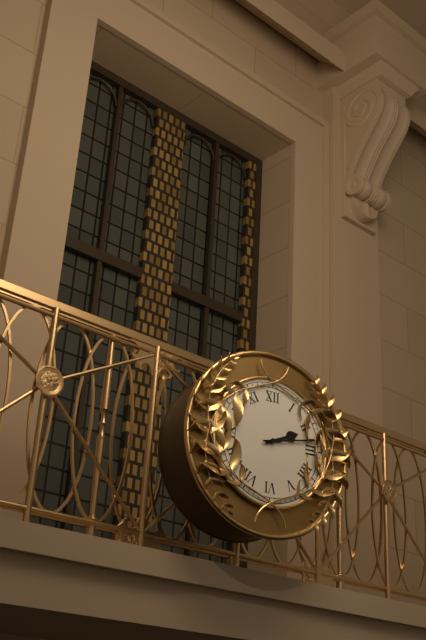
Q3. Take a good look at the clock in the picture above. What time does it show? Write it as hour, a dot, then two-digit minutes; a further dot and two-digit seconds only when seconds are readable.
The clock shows 2.13
